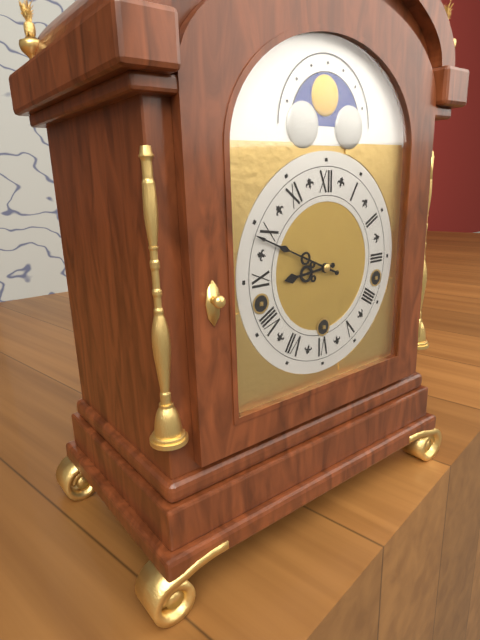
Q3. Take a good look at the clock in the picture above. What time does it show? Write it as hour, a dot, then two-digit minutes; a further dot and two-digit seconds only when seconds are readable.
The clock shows 8.49
